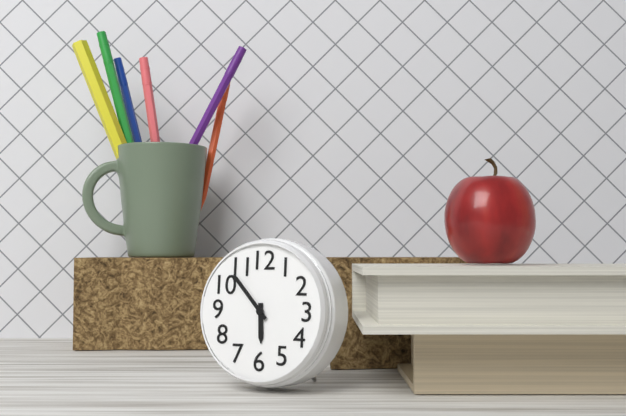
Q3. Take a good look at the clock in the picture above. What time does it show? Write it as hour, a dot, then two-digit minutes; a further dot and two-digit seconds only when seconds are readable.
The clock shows 5.53
